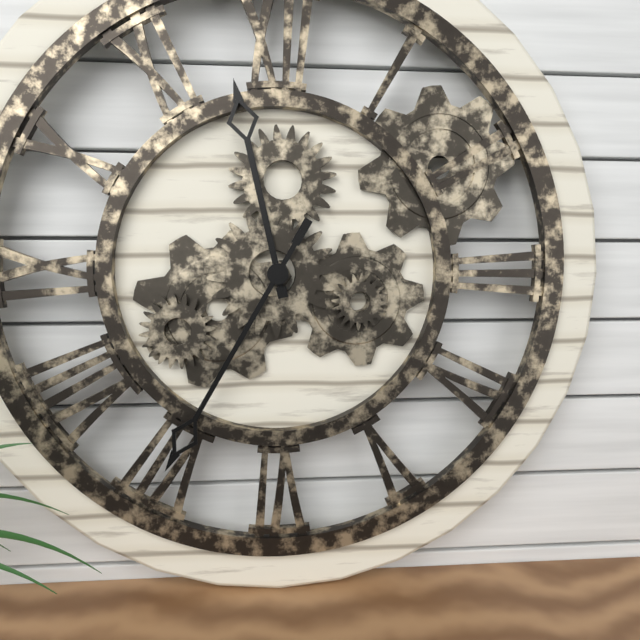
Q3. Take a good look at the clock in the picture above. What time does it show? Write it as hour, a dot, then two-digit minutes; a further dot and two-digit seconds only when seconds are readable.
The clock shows 11.35
